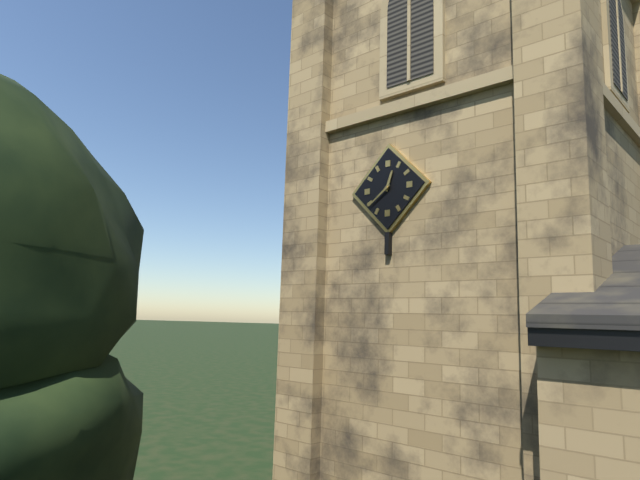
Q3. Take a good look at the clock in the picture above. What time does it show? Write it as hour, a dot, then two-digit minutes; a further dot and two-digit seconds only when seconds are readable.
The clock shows 12.39
